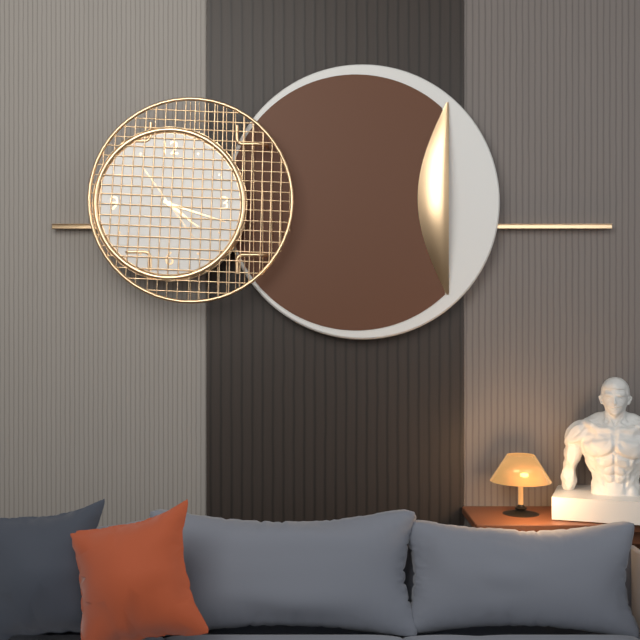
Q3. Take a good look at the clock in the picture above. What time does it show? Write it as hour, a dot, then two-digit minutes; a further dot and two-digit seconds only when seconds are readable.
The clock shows 4.18.54
